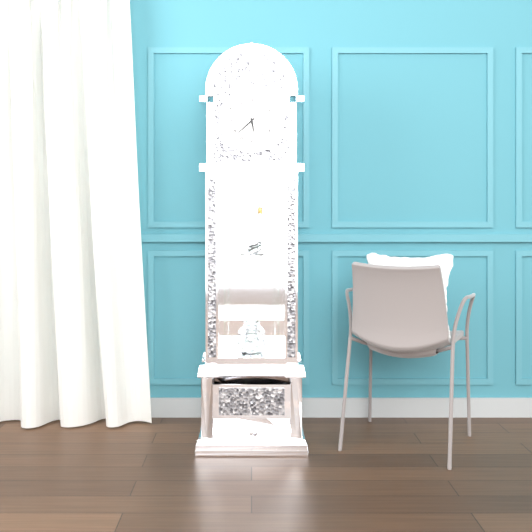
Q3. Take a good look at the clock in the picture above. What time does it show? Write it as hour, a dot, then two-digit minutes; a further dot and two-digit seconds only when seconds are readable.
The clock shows 5.38
